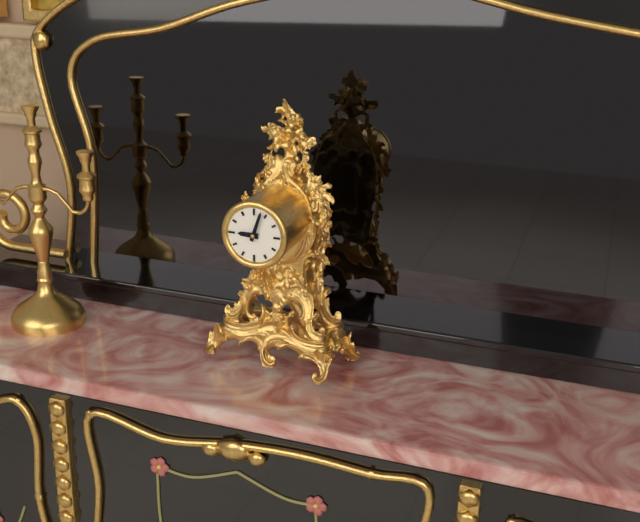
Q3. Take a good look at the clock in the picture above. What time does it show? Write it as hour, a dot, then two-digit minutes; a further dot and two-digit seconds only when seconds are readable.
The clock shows 9.03
